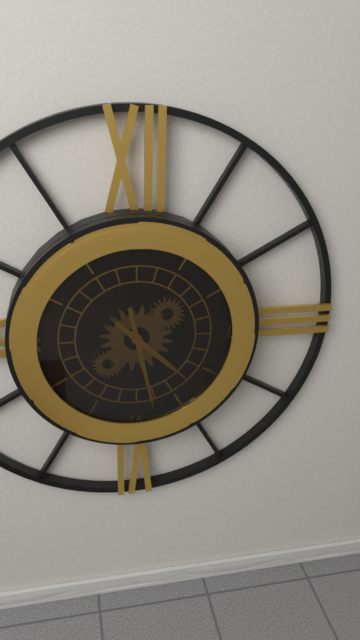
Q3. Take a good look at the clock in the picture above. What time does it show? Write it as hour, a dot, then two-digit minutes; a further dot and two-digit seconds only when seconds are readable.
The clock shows 4.28
